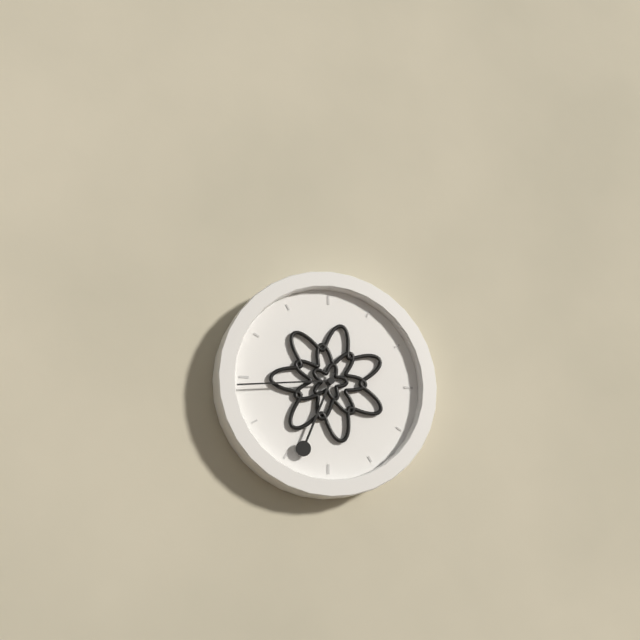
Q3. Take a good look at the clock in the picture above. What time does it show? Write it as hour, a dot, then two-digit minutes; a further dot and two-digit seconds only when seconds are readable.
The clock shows 6.44
